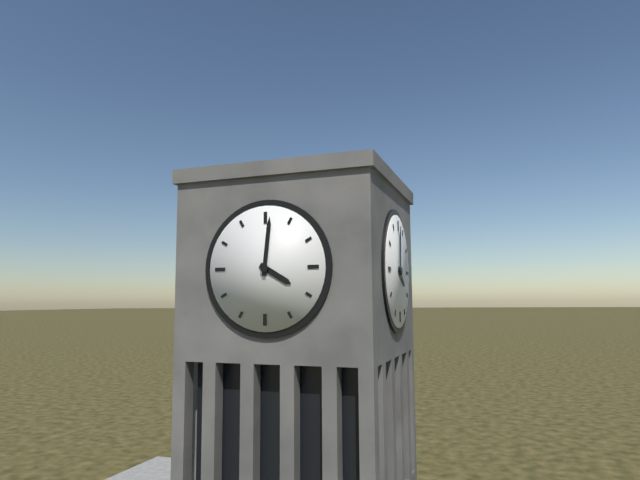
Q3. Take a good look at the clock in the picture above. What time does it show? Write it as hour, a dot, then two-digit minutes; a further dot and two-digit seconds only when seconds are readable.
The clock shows 4.01
